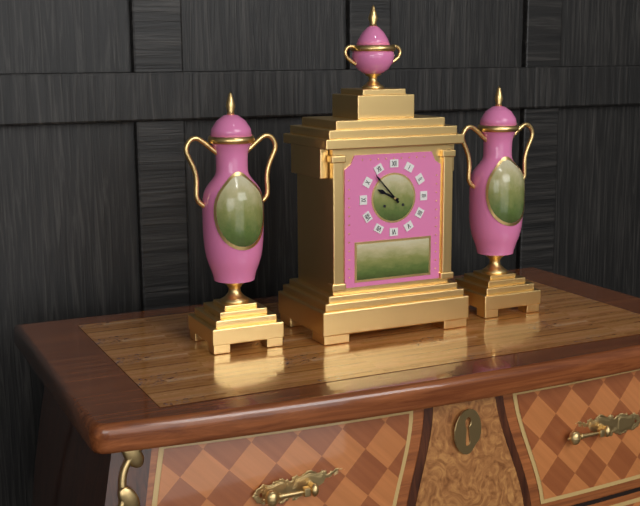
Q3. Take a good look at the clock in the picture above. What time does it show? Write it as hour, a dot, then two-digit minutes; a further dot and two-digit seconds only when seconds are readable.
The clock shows 9.53
